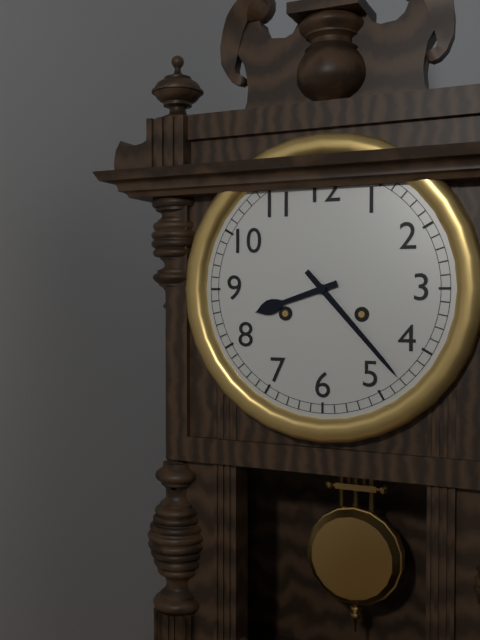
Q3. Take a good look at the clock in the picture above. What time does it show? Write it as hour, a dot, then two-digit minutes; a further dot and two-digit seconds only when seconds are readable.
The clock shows 8.23
